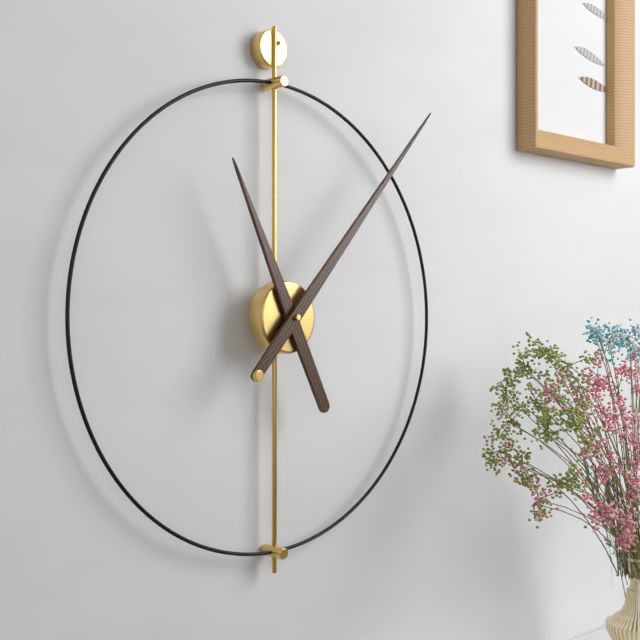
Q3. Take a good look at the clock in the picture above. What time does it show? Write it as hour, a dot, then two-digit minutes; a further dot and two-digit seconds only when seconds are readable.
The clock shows 11.07
